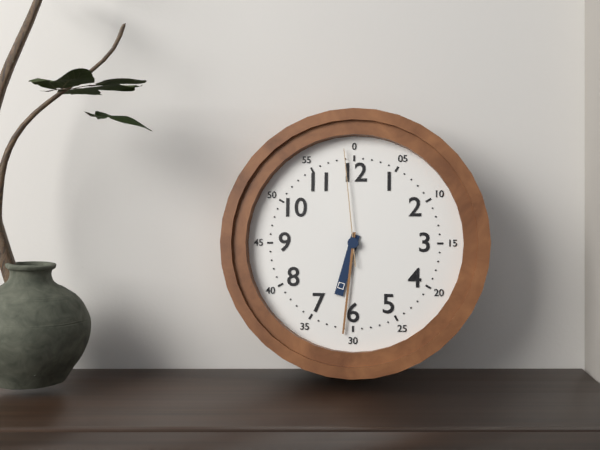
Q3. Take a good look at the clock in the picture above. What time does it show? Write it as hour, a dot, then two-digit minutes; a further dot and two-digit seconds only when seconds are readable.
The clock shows 6.31.59
